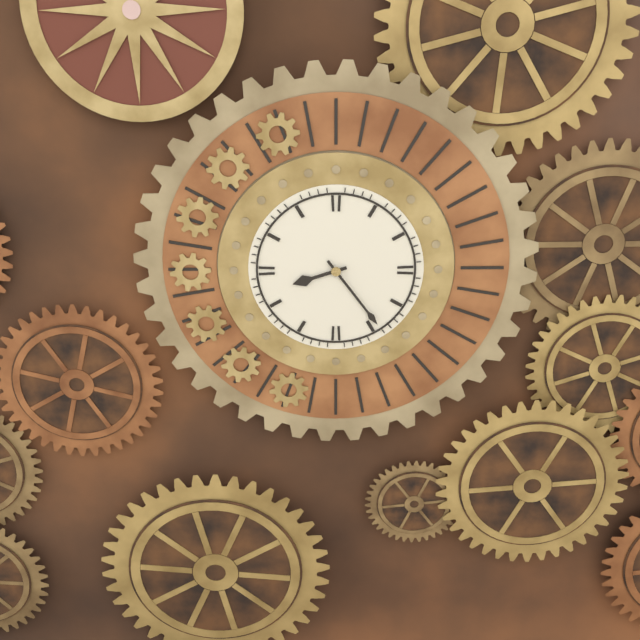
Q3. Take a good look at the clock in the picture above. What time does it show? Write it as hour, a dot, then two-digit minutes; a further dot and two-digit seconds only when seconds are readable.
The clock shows 8.24
